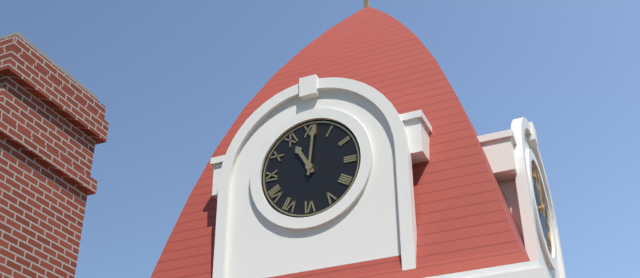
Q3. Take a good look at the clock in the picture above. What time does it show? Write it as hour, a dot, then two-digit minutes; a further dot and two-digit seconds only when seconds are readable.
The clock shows 11.01
